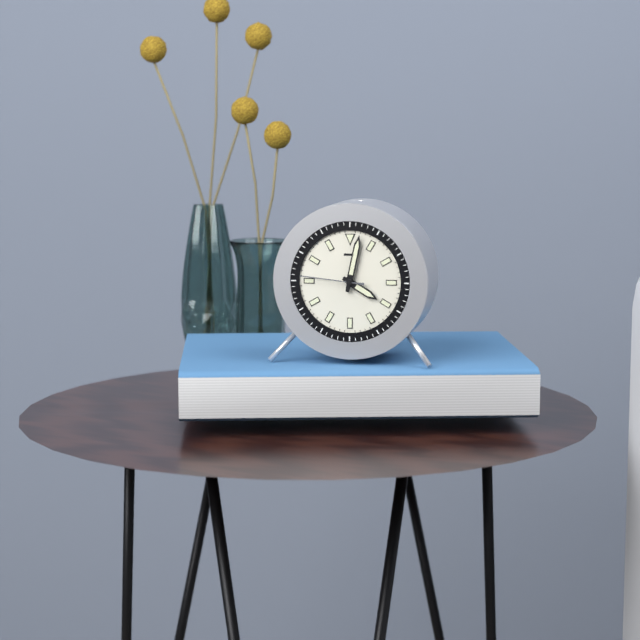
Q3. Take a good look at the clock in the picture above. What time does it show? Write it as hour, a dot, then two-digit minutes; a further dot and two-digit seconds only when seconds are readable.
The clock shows 4.02.46
